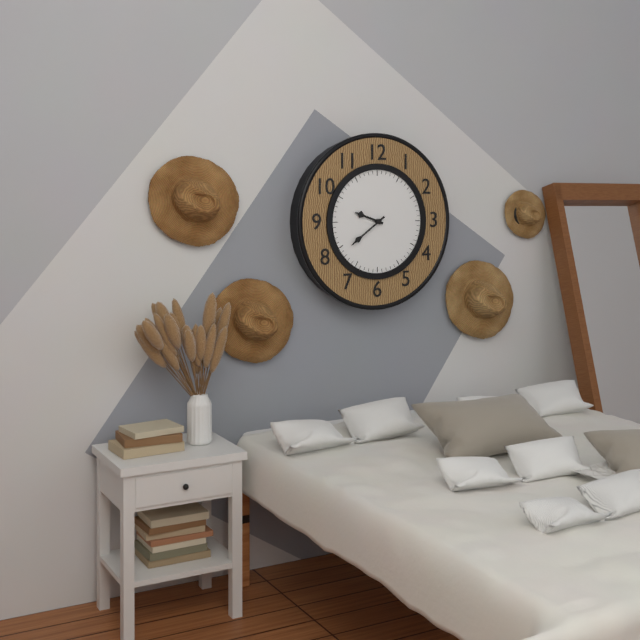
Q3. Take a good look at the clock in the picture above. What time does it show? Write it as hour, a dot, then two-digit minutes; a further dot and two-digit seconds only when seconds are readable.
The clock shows 9.39
